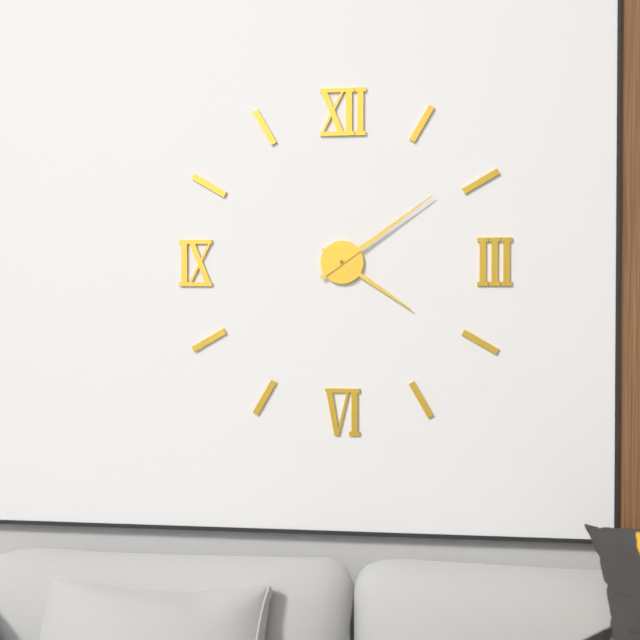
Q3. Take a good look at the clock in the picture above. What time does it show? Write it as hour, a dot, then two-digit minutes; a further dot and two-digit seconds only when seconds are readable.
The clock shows 4.09
